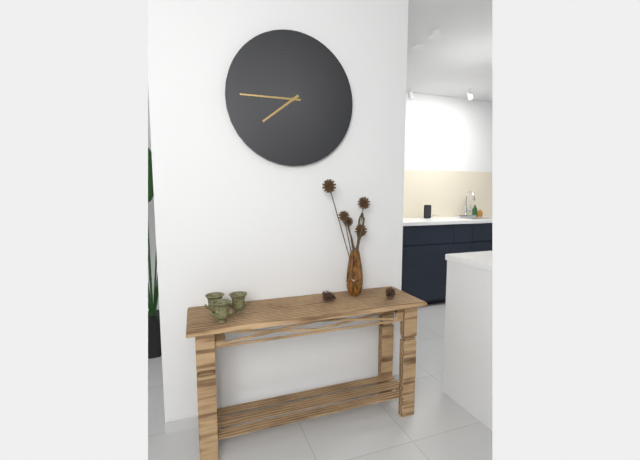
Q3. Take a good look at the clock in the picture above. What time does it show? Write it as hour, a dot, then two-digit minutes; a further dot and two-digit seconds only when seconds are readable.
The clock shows 7.45
